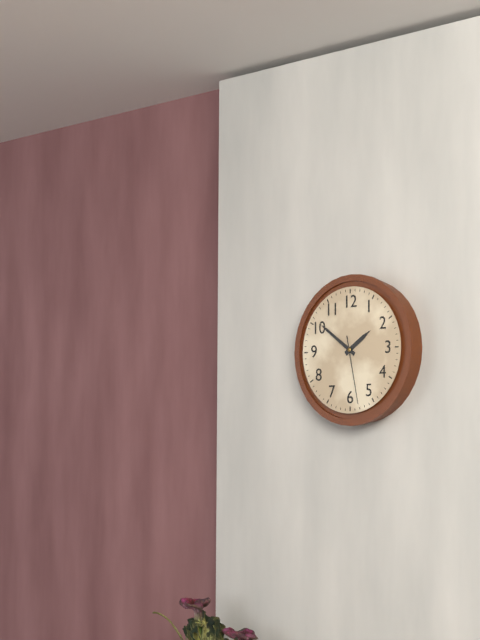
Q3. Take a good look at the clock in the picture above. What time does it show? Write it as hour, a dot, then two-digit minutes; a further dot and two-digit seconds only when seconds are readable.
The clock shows 1.51.28
